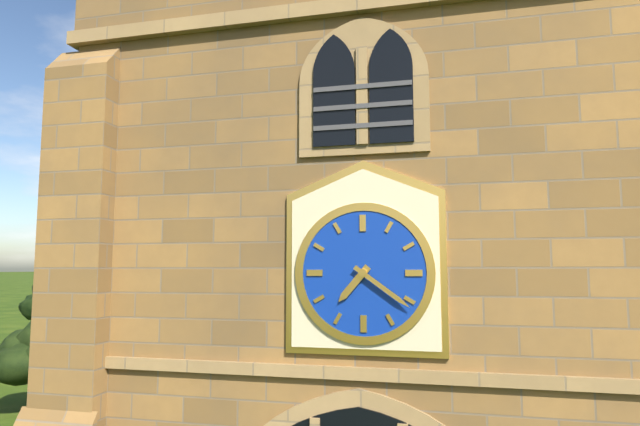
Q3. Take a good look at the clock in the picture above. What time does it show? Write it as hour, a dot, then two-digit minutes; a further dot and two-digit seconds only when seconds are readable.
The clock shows 7.21
